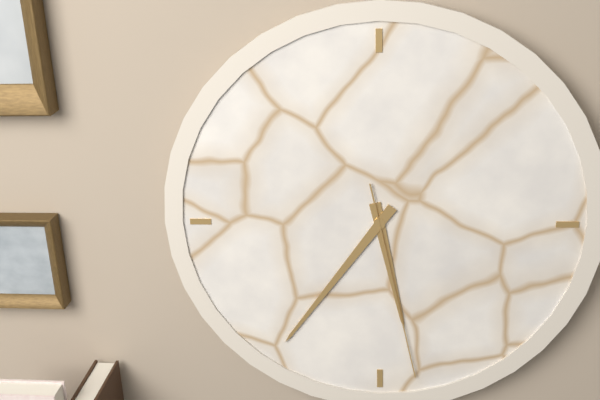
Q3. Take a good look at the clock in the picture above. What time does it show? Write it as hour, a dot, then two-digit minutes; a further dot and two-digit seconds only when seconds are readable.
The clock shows 5.36.28
